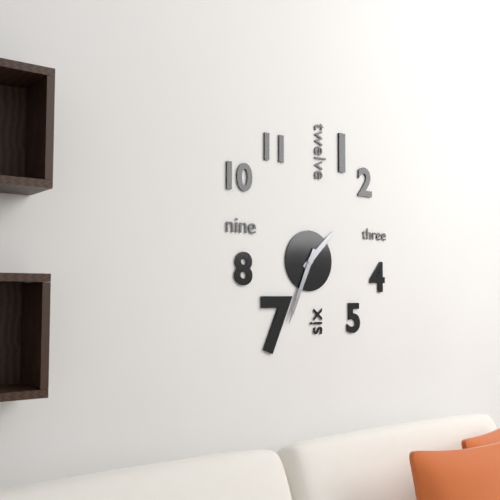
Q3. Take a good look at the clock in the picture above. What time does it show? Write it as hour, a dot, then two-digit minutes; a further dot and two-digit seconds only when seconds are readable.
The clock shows 1.34
